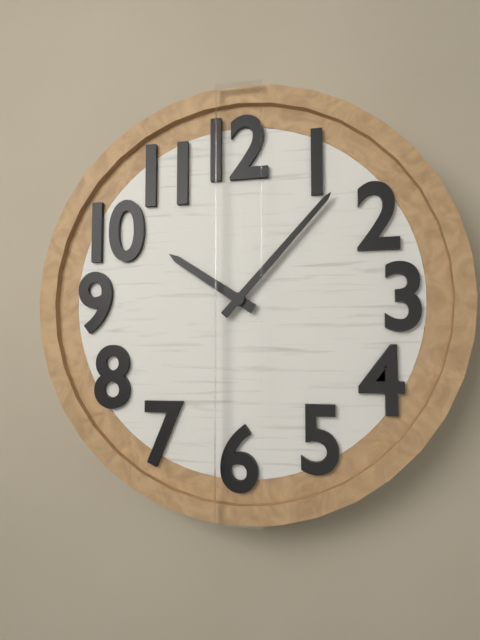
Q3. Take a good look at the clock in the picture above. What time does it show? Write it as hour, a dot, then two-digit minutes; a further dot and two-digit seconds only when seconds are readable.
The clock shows 10.07
